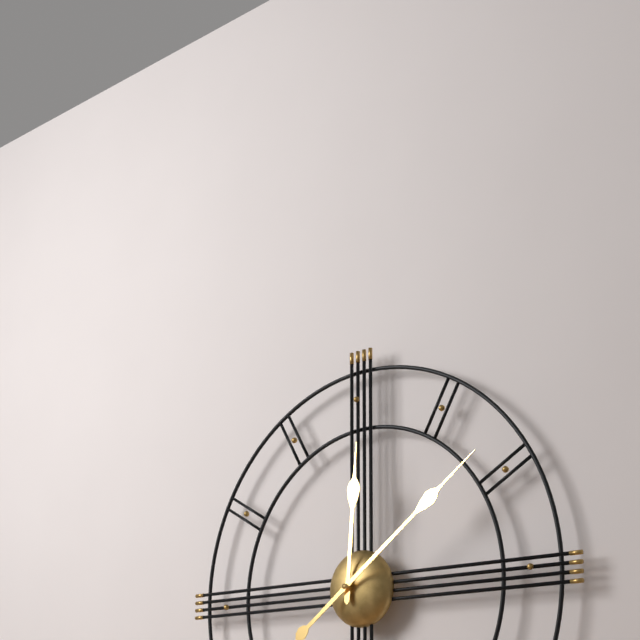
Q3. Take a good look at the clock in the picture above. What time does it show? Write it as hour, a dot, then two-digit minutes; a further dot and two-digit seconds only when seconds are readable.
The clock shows 12.09
